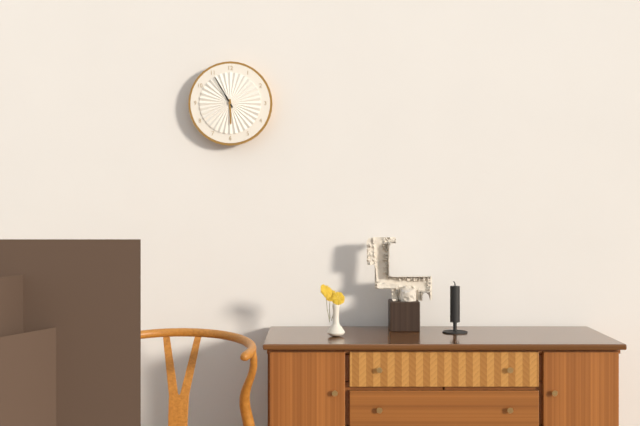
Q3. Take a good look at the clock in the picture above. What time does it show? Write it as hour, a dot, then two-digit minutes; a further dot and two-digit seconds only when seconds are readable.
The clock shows 5.55
